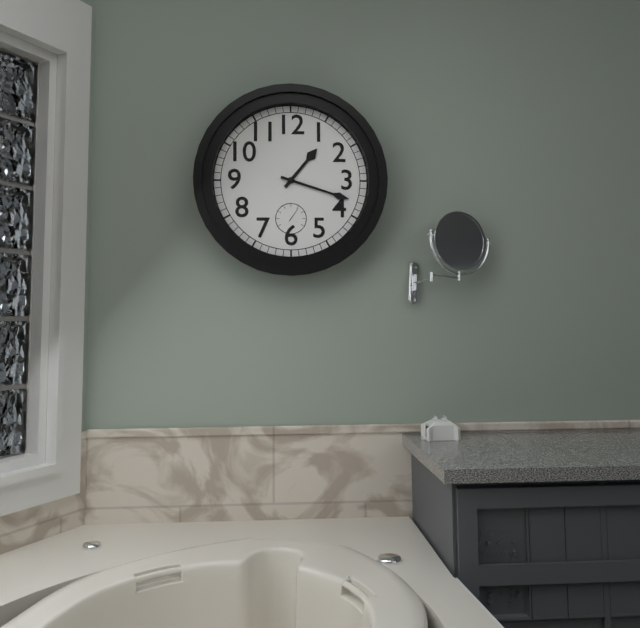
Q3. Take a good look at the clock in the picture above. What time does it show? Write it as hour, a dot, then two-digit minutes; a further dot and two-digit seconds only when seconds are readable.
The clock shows 1.18
